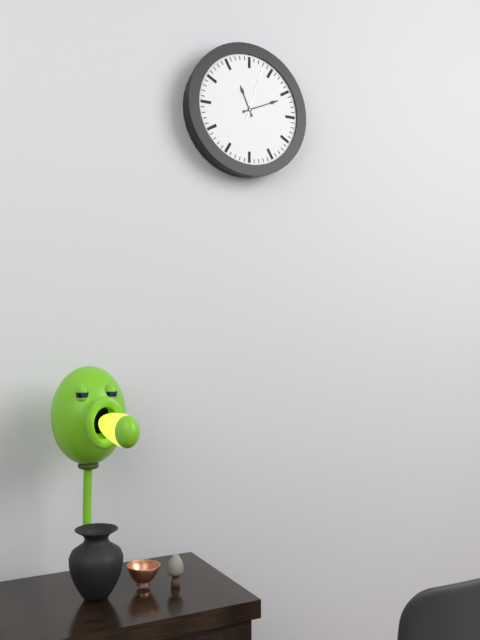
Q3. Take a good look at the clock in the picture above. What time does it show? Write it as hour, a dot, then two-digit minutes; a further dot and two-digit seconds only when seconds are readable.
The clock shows 11.11.03
